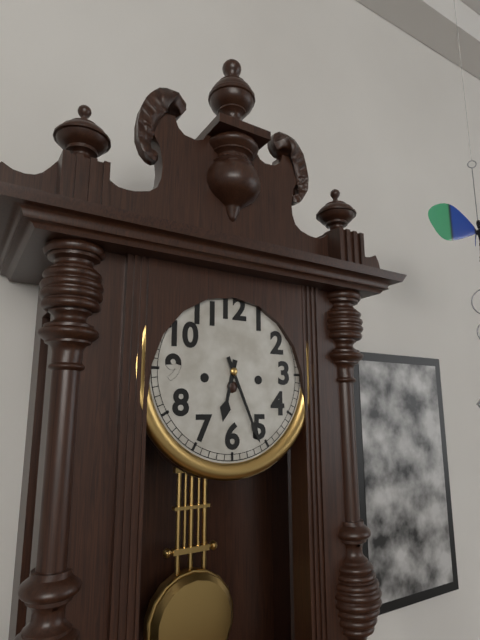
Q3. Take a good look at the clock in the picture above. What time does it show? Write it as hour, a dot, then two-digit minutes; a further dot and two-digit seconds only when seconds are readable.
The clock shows 6.26
